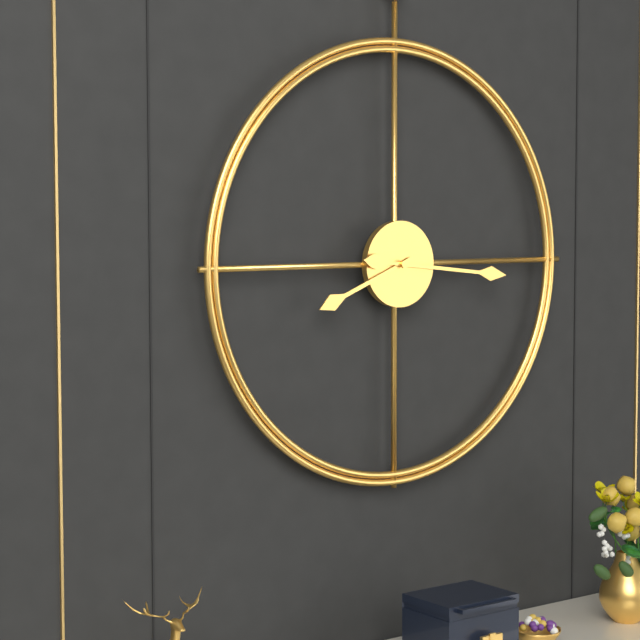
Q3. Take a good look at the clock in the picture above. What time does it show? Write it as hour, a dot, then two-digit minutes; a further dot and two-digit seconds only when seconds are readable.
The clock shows 8.16
